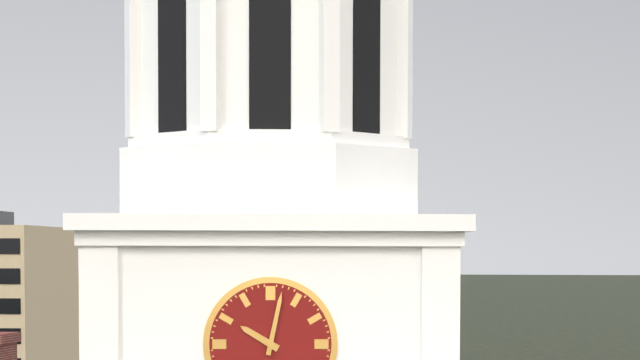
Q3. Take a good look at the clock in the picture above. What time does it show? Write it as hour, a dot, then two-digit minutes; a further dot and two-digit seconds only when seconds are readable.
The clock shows 10.02
